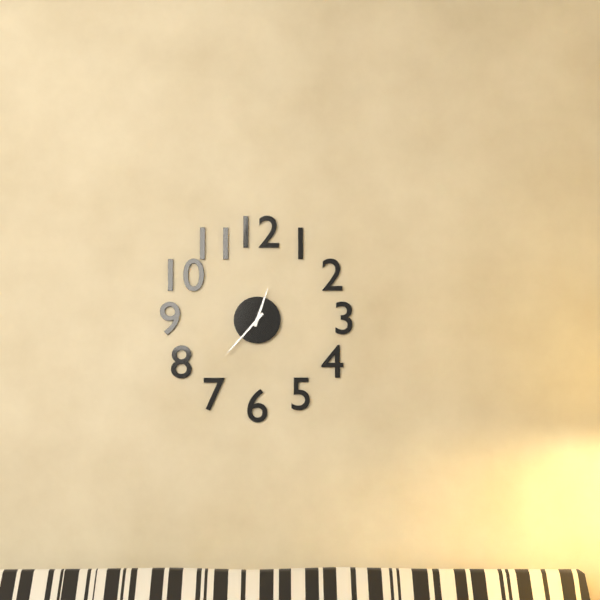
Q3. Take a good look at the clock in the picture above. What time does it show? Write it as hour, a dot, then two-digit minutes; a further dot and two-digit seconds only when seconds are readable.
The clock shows 12.37
